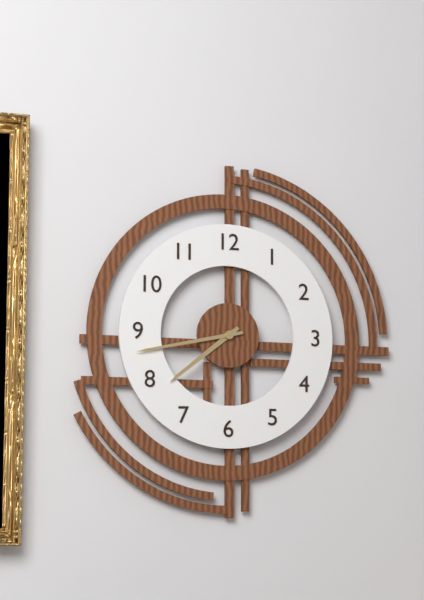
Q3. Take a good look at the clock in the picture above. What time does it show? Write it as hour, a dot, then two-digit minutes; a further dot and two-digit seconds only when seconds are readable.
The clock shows 7.43
